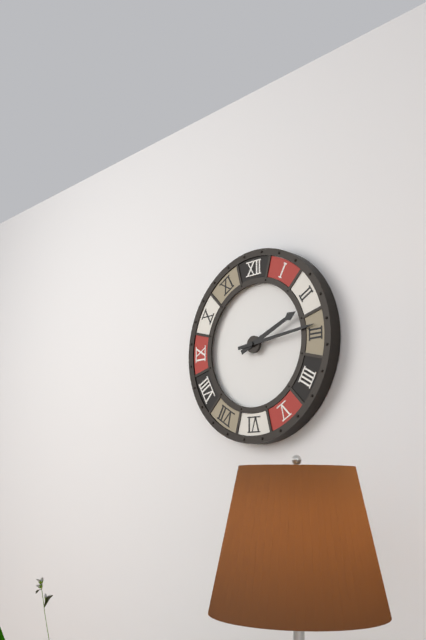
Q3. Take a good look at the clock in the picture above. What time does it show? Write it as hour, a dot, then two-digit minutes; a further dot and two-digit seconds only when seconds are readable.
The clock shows 2.14
